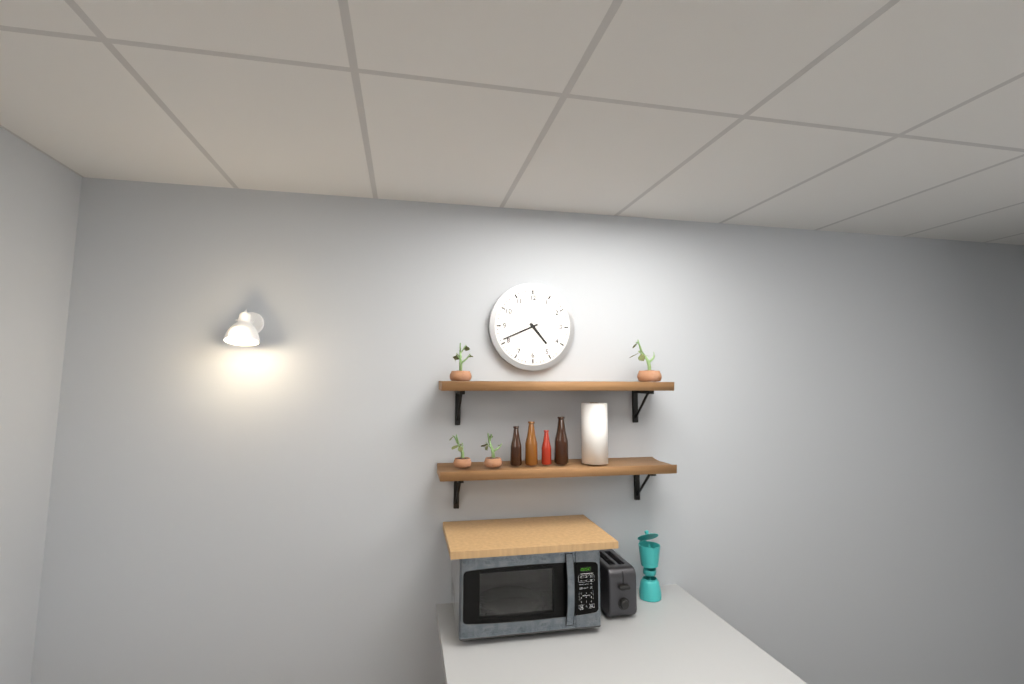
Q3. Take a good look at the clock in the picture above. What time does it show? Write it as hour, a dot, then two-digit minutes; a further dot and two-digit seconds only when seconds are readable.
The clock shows 4.41
